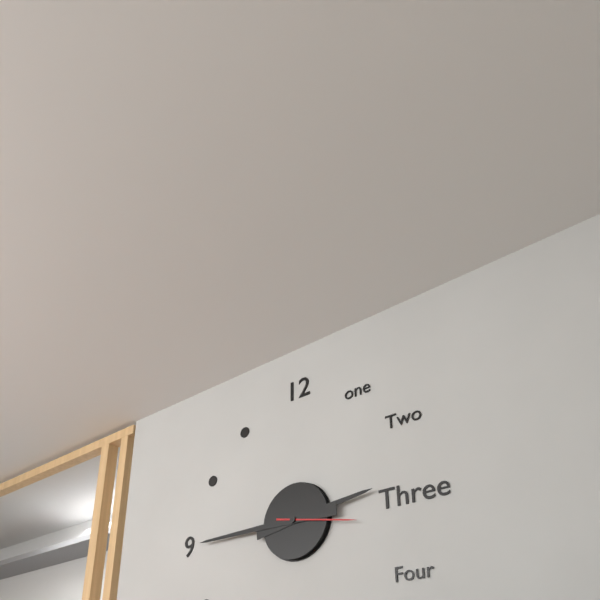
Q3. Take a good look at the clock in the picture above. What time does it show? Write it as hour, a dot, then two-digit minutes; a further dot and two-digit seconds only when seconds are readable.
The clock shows 2.45.17
